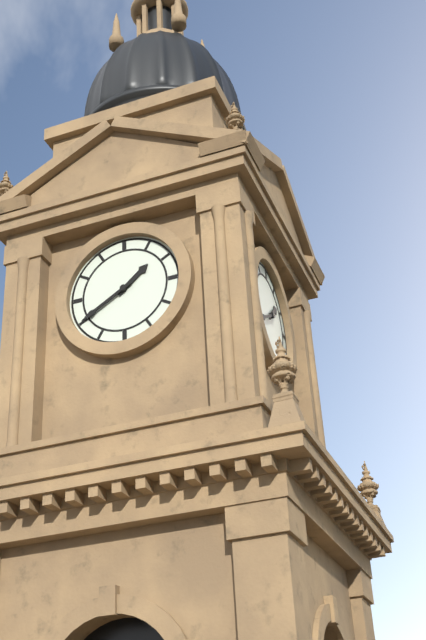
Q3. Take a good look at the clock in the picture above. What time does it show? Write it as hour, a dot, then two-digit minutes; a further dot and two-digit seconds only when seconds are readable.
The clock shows 1.40
